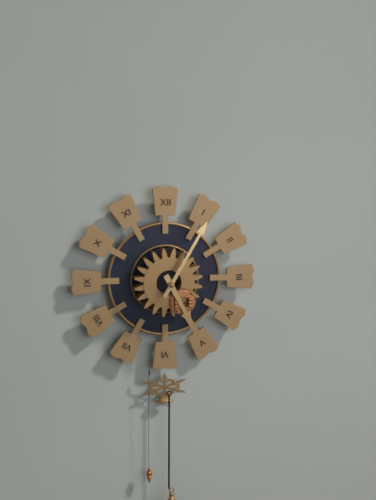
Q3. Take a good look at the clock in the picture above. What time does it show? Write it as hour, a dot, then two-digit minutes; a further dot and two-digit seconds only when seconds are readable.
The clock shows 5.05
